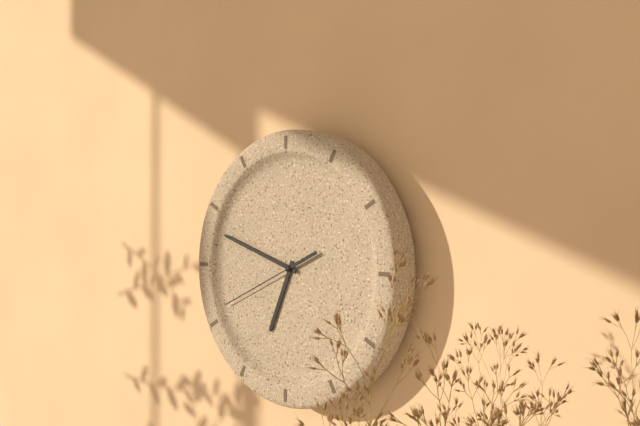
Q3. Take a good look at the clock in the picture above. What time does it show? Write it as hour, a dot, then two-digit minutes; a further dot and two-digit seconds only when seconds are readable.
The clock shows 6.48.41
